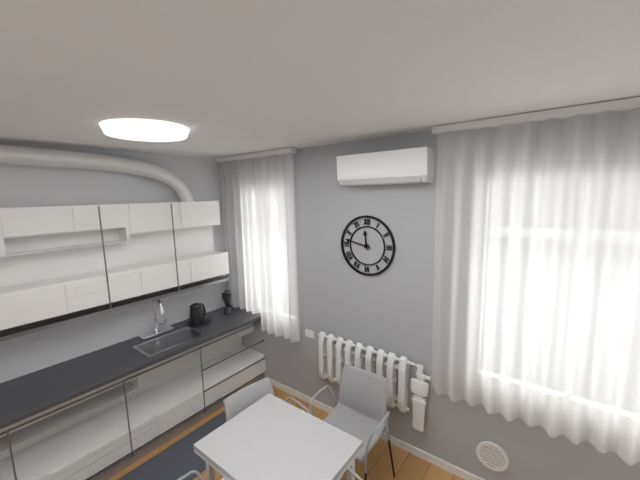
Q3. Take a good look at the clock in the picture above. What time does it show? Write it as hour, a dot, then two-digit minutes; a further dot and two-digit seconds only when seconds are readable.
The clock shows 11.47
